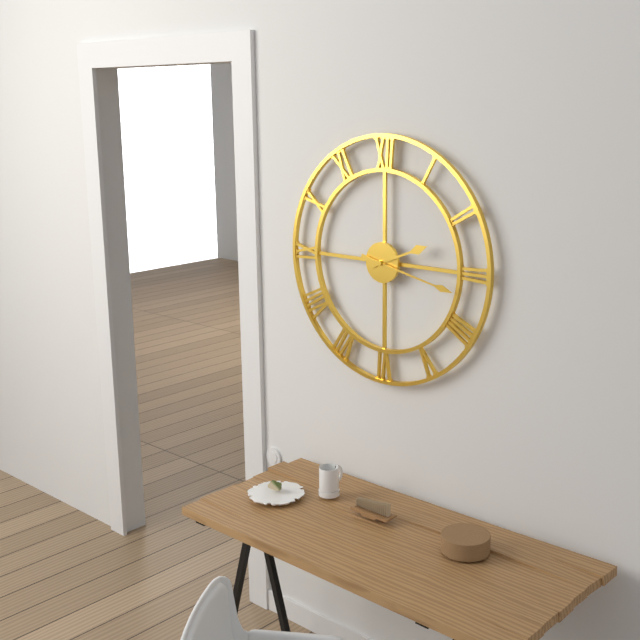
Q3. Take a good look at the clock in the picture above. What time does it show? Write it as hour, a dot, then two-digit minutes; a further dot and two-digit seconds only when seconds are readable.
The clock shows 2.17
